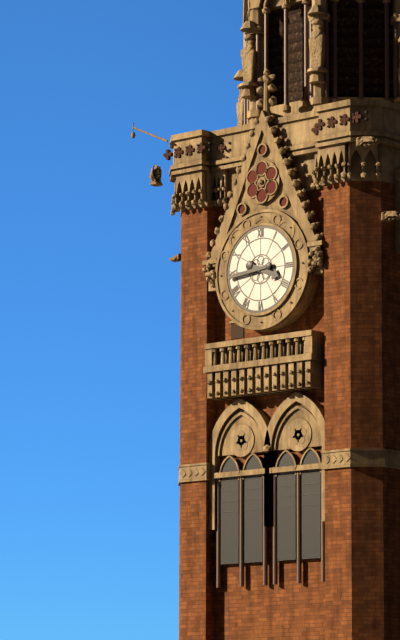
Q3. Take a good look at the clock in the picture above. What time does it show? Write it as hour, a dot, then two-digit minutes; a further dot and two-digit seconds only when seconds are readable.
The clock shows 3.44
